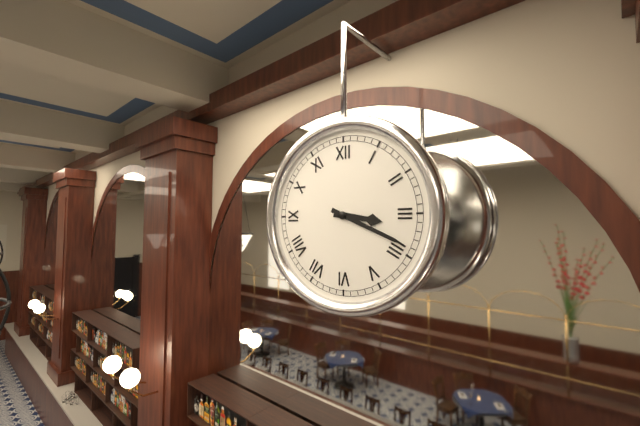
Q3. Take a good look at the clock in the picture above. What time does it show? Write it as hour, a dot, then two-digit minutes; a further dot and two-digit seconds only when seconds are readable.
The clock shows 3.19
